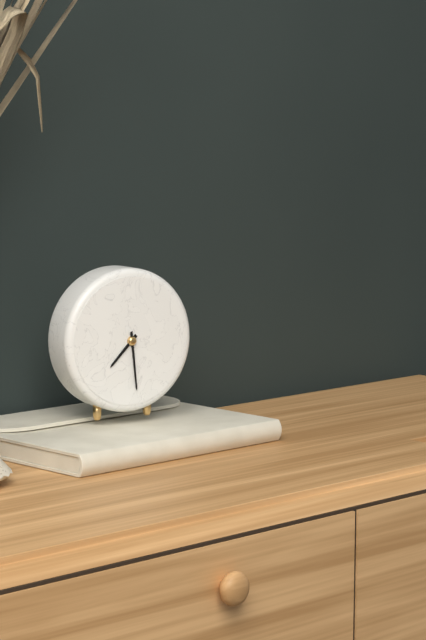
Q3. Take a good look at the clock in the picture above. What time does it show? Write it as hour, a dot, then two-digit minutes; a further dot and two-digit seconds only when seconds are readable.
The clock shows 7.29
